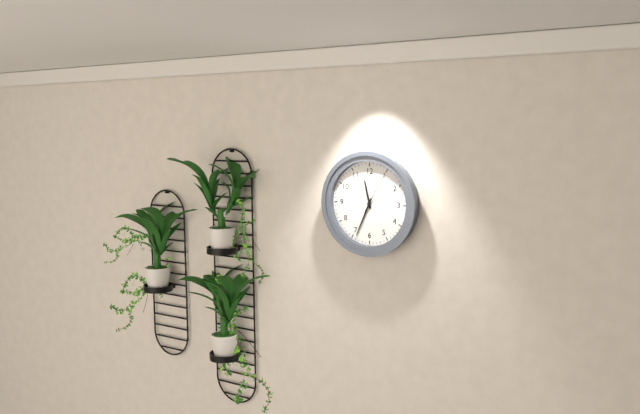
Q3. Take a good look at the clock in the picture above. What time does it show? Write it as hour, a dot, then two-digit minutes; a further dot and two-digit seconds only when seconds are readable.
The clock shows 11.34
